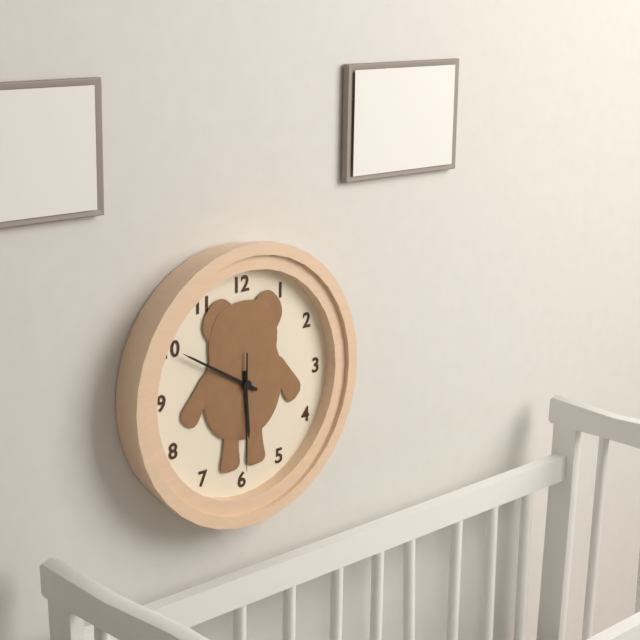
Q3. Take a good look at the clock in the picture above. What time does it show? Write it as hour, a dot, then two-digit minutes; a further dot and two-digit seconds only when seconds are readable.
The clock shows 5.50.30
